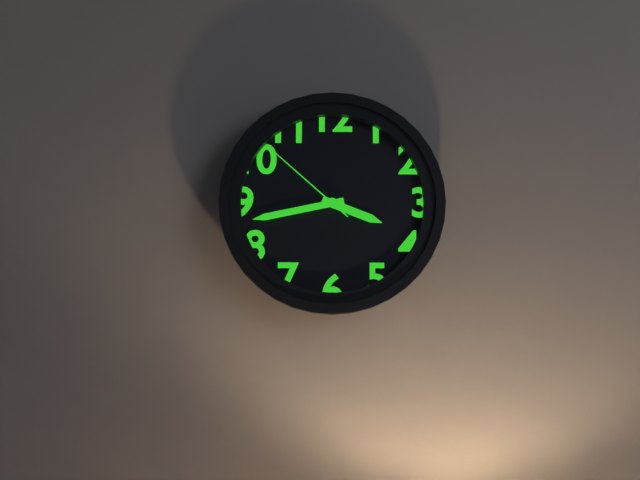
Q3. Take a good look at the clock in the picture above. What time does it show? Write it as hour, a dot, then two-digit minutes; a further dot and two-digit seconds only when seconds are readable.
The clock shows 3.43.52
